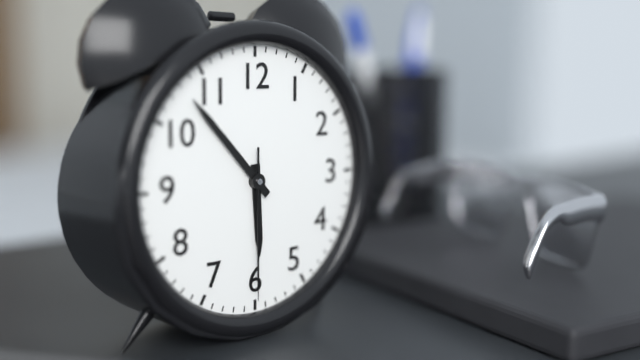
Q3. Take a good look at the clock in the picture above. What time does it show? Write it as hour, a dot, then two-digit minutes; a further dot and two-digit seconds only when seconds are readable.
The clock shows 5.53.30
